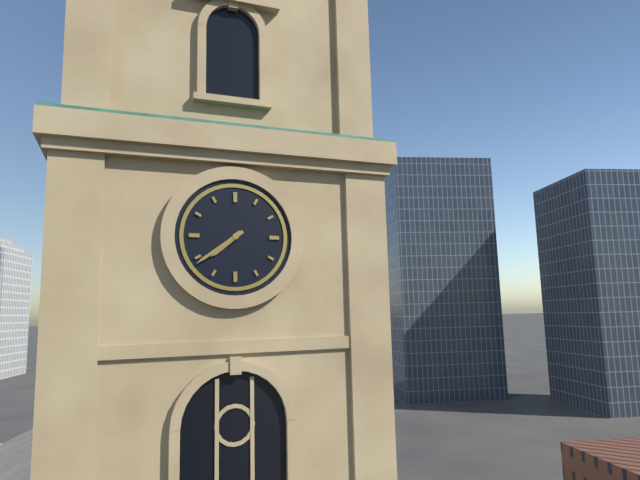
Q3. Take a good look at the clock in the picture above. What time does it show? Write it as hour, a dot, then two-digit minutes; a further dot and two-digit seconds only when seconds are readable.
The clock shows 7.39
